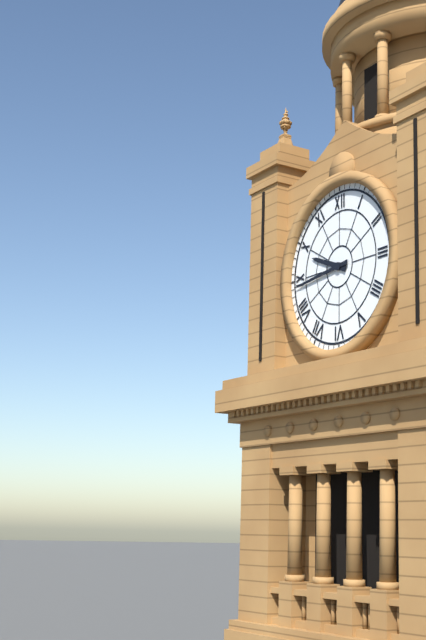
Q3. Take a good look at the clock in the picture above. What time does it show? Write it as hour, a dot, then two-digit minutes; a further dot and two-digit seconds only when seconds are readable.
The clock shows 9.44
